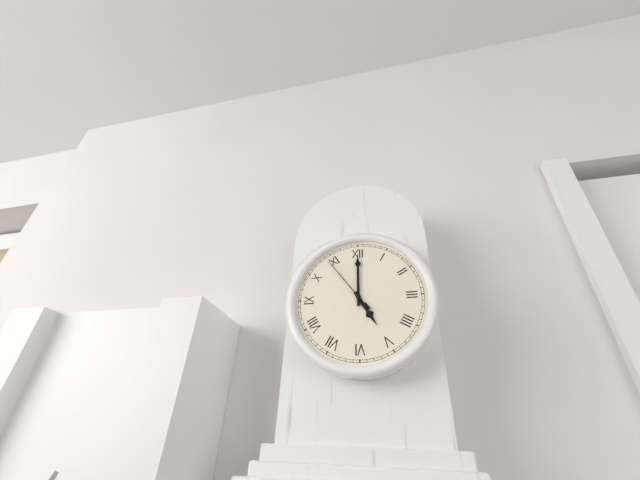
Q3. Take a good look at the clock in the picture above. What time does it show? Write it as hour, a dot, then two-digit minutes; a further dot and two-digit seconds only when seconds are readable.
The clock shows 5.00.54
